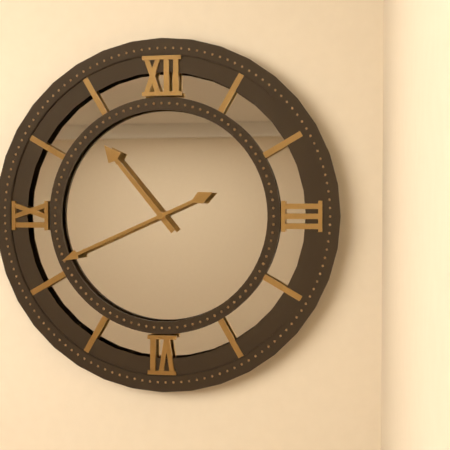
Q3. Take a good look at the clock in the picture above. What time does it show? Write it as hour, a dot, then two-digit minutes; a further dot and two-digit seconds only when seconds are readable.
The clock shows 10.41
